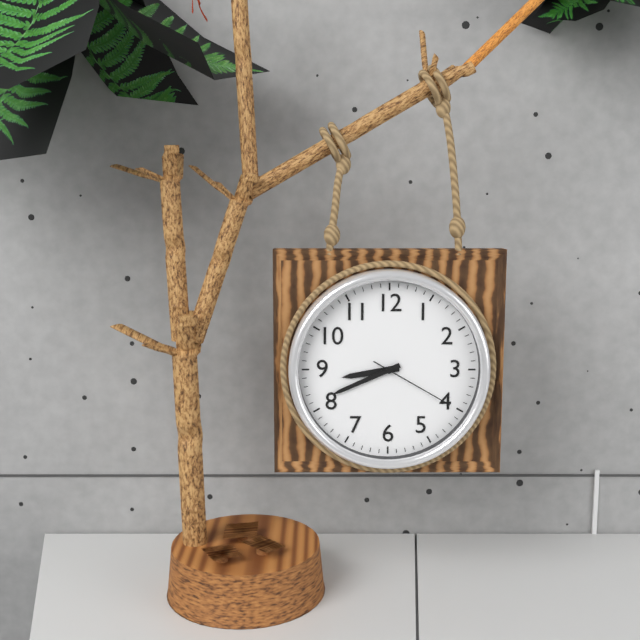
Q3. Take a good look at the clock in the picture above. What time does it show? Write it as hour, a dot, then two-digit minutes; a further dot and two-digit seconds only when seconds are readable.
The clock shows 8.41.20
